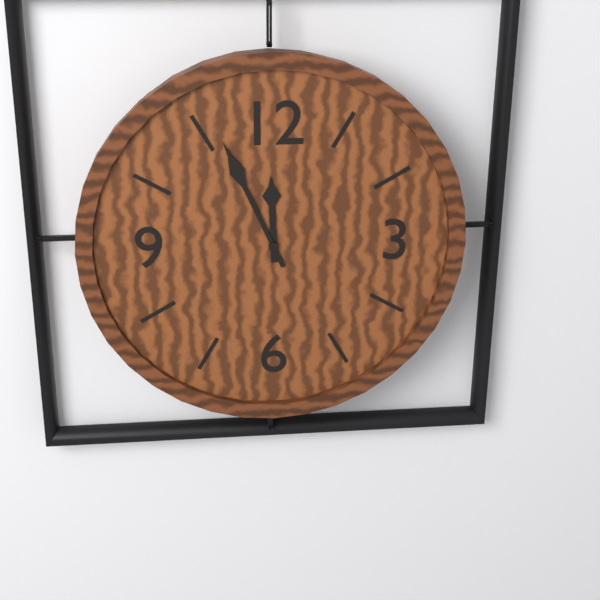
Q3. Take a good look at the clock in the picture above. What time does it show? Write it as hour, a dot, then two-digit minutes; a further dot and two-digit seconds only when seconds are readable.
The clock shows 11.56
